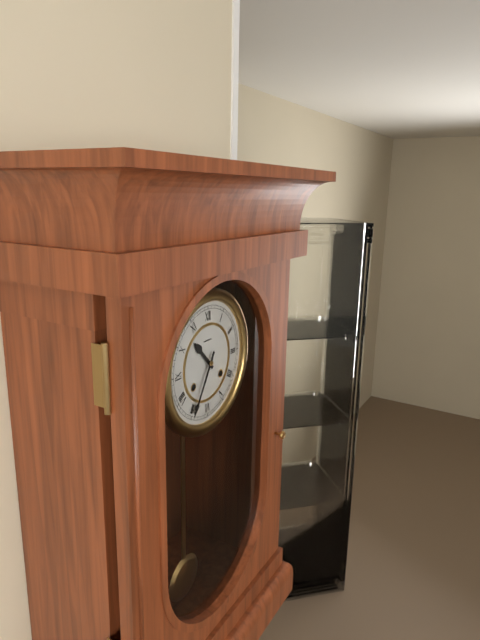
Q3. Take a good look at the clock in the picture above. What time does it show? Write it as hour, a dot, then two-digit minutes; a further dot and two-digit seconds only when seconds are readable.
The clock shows 10.35
